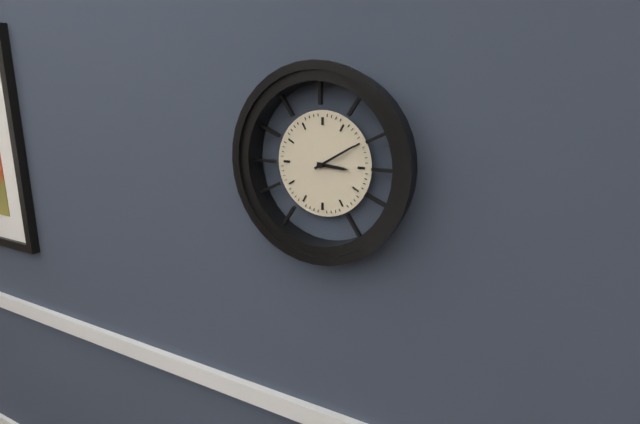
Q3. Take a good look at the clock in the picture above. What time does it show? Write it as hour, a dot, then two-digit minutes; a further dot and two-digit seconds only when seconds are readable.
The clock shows 3.10
